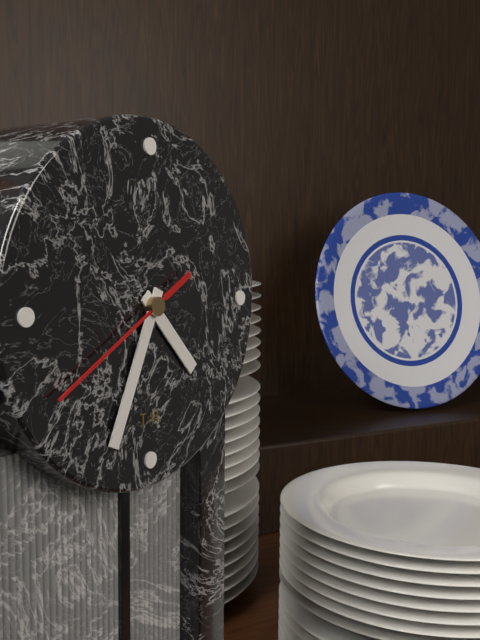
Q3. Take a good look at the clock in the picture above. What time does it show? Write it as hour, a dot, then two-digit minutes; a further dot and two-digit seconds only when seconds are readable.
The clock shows 4.34.40
